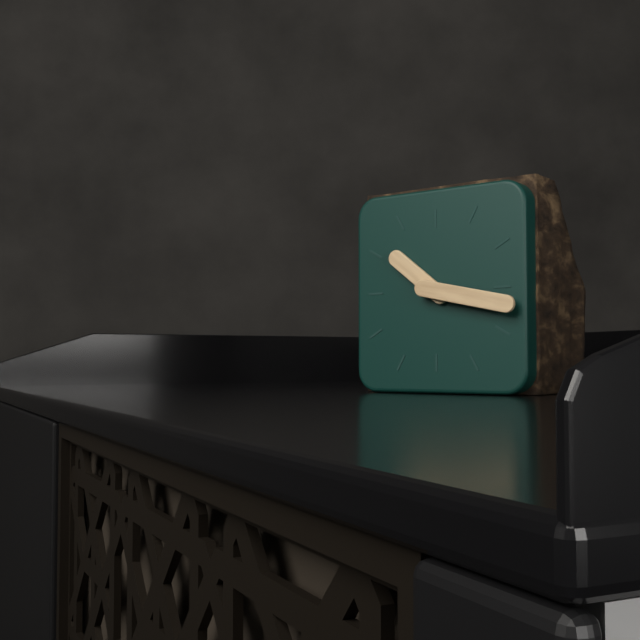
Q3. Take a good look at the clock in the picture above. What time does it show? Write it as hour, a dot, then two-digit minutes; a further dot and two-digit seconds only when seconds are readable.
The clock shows 10.17
